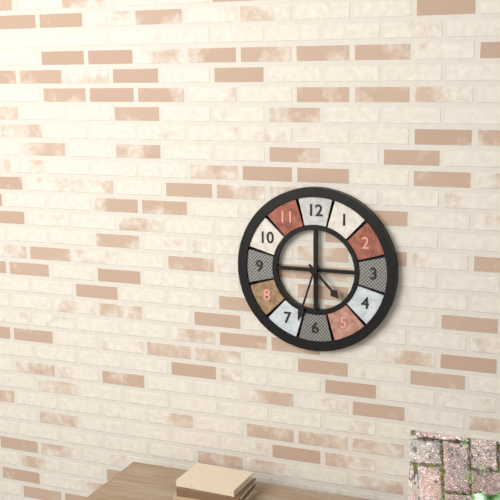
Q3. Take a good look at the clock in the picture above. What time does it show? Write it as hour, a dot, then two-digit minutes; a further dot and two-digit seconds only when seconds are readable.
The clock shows 4.33
